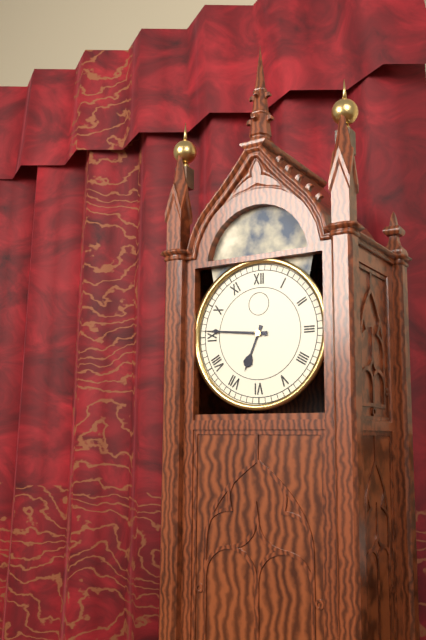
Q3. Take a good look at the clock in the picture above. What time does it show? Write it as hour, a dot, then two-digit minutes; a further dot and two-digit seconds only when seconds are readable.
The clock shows 6.46
